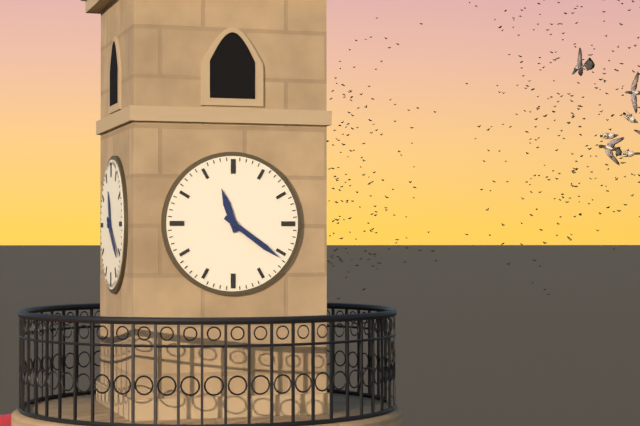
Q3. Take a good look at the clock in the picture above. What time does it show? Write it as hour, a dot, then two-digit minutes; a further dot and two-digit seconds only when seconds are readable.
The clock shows 11.21
